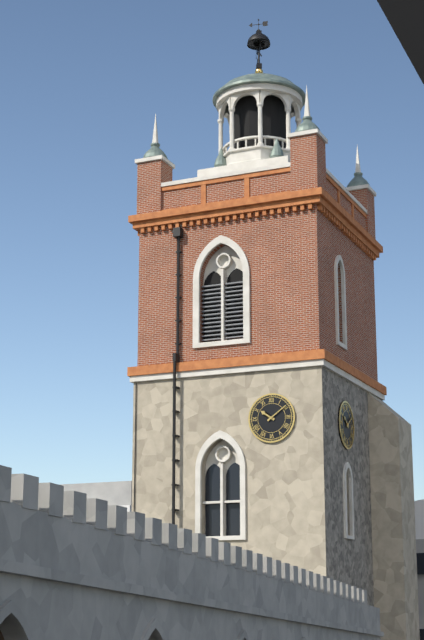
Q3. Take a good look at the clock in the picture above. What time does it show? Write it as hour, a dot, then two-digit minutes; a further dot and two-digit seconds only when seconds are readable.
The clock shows 10.09
